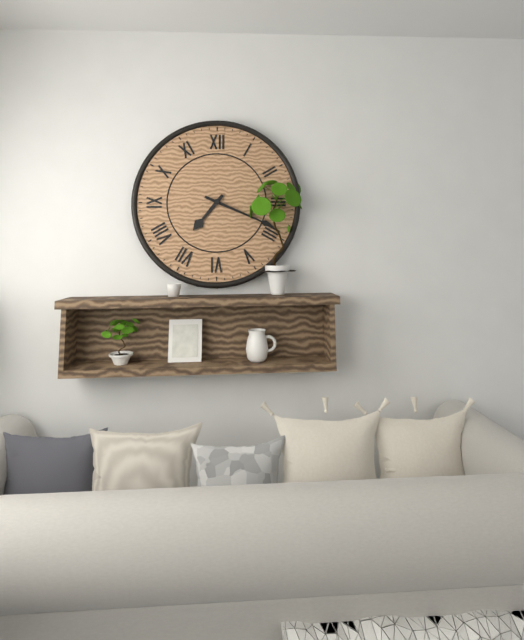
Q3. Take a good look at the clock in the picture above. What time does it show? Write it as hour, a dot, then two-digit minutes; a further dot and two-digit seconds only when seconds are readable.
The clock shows 7.19
